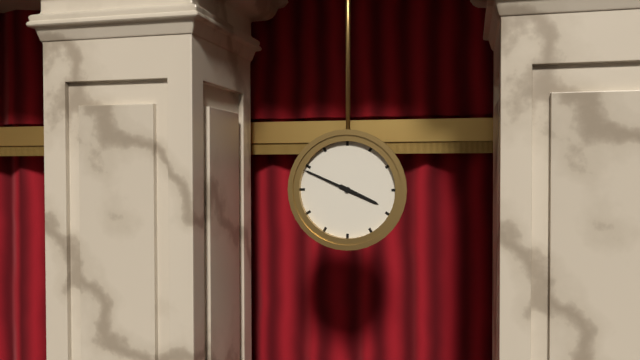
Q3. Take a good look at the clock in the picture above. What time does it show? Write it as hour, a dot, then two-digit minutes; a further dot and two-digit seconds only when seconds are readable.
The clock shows 3.49
